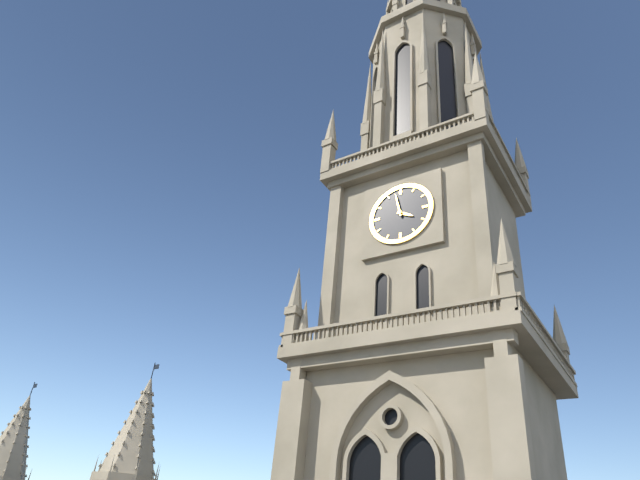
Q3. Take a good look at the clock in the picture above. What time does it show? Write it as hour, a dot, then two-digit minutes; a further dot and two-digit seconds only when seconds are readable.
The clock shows 3.58
